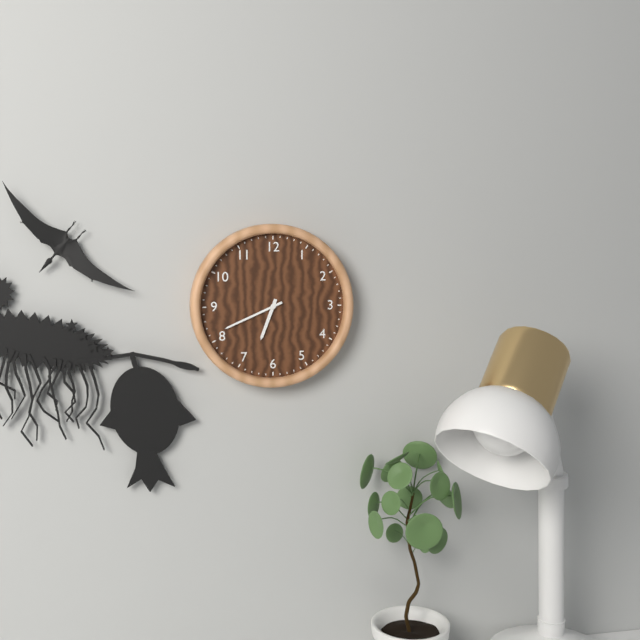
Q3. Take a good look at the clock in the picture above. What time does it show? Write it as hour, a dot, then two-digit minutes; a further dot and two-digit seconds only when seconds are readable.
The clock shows 6.41
